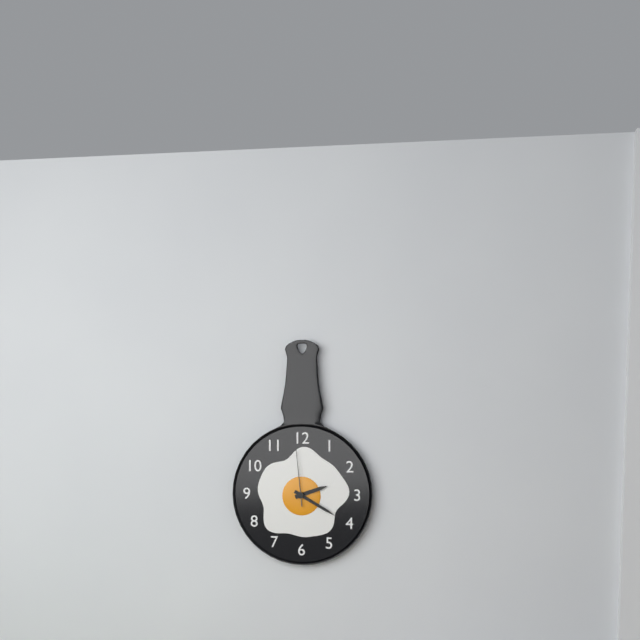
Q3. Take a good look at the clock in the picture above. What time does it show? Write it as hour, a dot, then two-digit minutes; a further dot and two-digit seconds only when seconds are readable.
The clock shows 2.20.59
